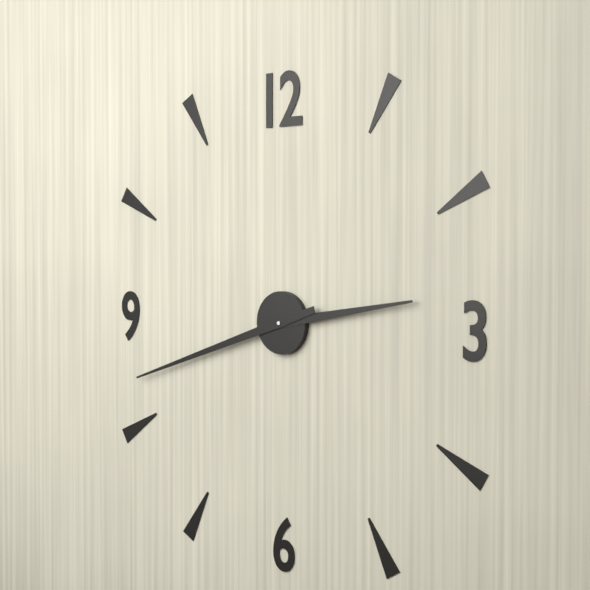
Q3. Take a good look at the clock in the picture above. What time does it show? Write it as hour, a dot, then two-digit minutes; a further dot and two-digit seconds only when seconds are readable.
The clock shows 2.42
